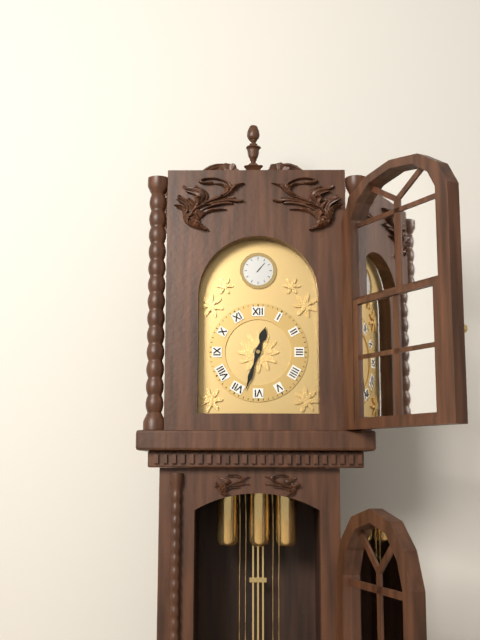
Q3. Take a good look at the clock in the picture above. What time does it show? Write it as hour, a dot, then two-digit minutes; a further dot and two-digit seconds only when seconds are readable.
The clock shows 12.33
